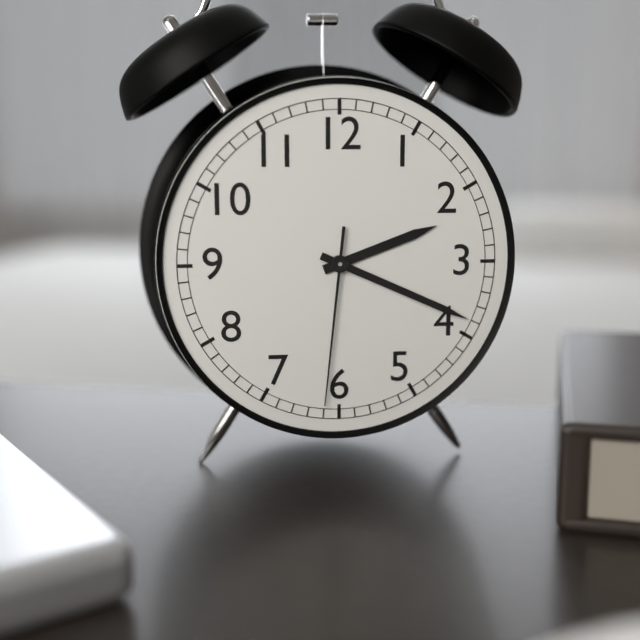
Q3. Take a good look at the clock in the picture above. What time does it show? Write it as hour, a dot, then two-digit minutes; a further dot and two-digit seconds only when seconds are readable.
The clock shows 2.19.31
